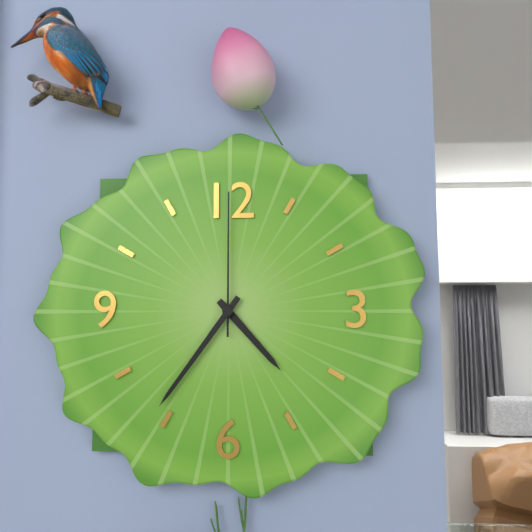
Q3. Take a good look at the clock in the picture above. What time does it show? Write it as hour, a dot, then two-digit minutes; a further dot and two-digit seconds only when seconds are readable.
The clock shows 4.36.00
